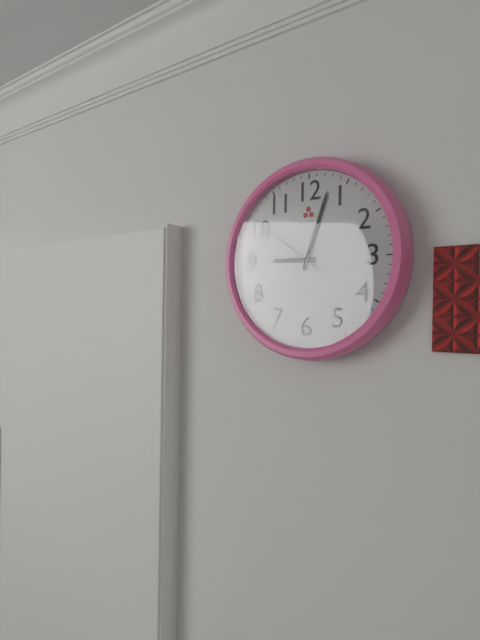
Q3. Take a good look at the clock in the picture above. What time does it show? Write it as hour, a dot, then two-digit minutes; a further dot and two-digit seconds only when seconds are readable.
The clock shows 9.03.51
